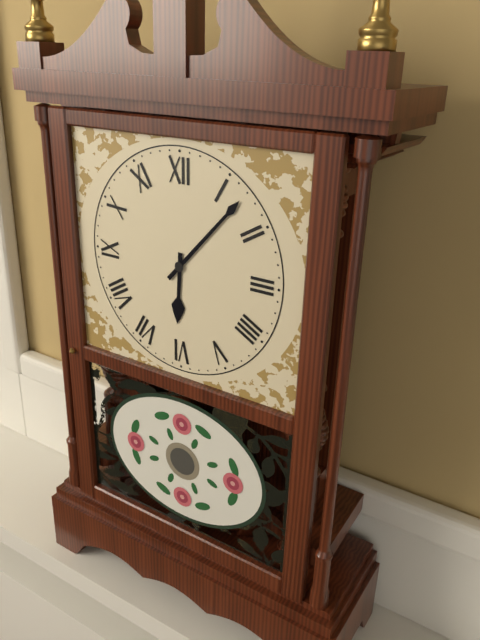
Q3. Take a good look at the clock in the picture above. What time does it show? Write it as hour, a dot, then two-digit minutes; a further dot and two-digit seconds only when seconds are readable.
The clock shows 6.07
